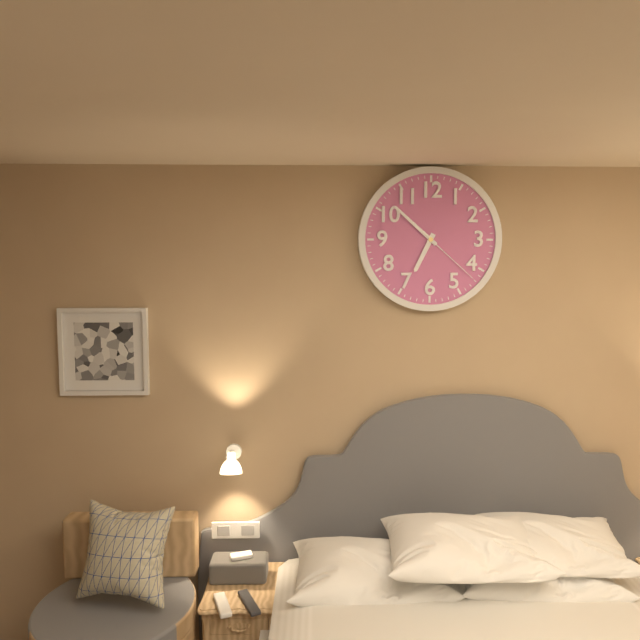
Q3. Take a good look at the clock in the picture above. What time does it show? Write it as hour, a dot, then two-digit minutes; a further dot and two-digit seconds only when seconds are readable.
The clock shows 6.52.22
